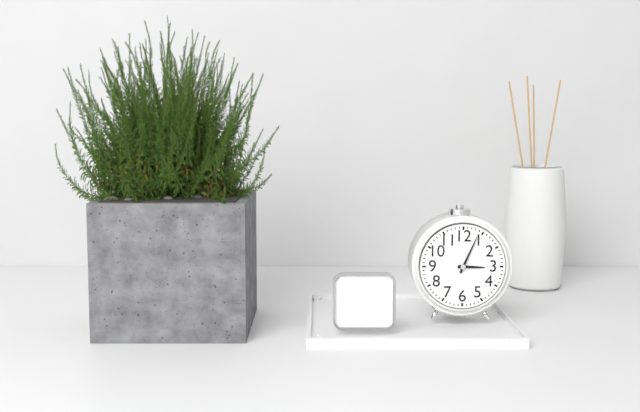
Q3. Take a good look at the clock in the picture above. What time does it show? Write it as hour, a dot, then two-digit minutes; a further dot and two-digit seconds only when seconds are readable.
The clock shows 3.04
